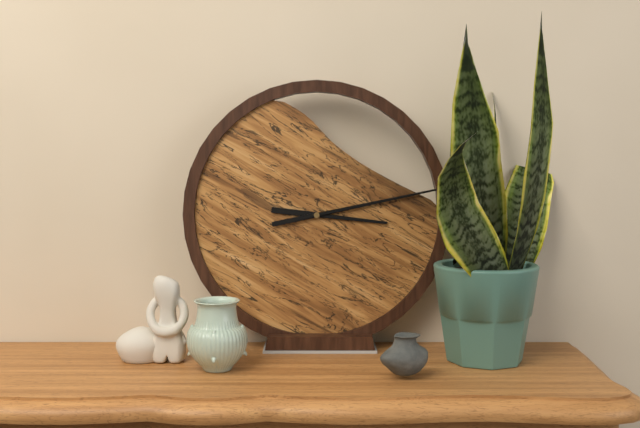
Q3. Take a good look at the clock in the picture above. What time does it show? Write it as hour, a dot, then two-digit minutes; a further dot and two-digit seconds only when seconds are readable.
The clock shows 3.13
